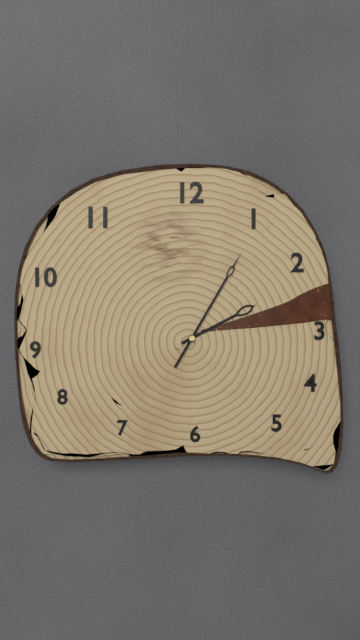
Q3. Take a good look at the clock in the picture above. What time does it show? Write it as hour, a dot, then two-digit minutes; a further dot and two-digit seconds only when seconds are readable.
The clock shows 2.05
